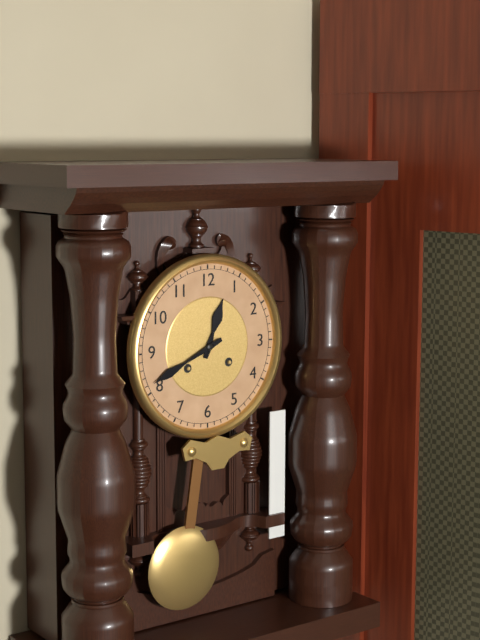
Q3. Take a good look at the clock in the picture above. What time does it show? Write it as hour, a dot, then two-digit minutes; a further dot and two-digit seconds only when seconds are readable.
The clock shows 12.41
